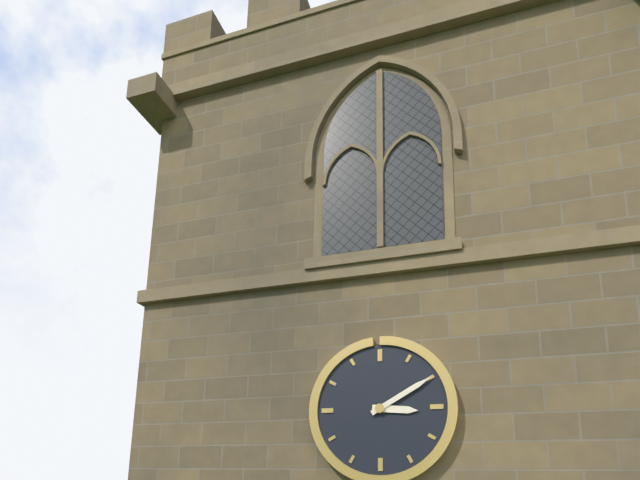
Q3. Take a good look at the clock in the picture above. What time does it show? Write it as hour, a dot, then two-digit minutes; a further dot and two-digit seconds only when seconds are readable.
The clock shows 3.10
